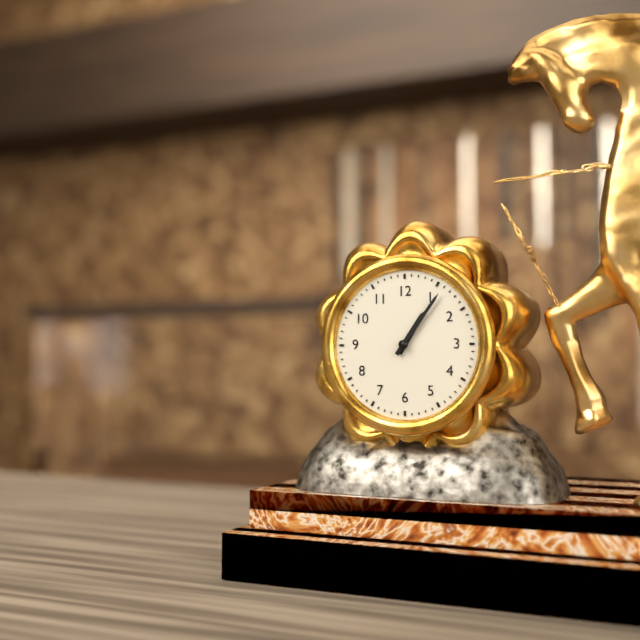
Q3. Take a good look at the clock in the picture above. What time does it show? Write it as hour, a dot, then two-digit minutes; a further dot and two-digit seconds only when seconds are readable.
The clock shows 1.06
